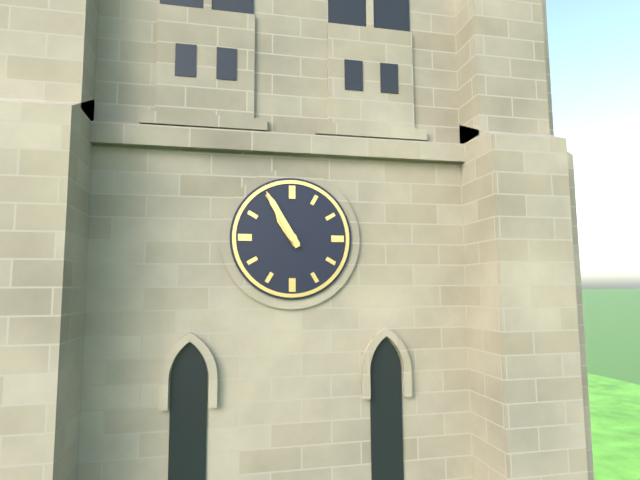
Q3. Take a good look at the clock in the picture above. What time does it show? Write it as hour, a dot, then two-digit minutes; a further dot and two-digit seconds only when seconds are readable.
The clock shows 10.55
